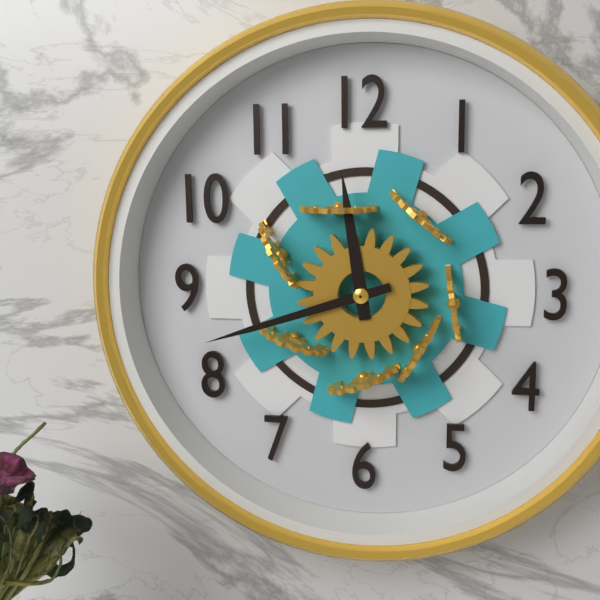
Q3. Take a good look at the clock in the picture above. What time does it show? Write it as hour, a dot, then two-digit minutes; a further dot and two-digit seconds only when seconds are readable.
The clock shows 11.42
